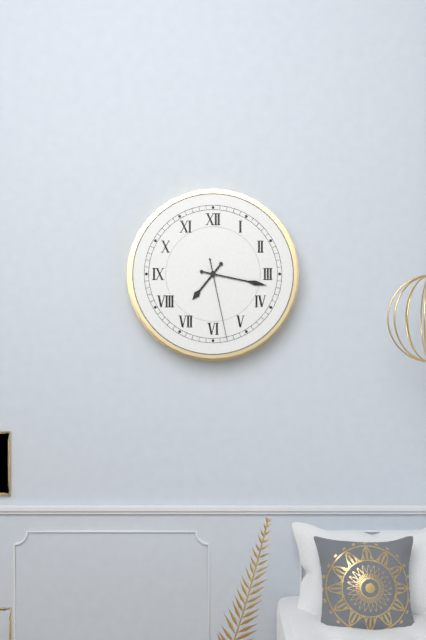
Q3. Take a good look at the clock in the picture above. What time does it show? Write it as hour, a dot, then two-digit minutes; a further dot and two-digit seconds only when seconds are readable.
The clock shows 7.17.28
